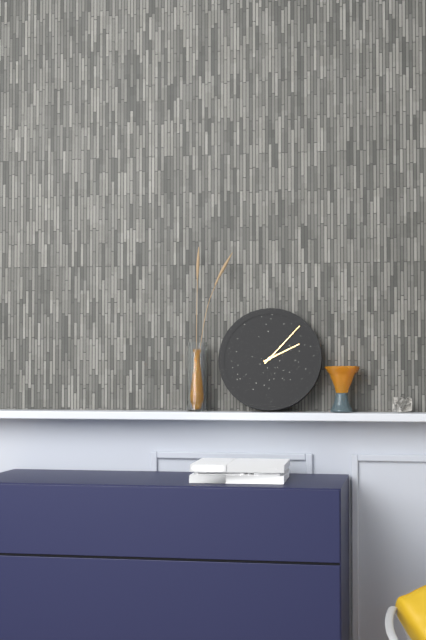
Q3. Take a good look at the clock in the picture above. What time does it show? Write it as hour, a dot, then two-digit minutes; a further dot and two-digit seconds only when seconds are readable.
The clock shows 2.07
